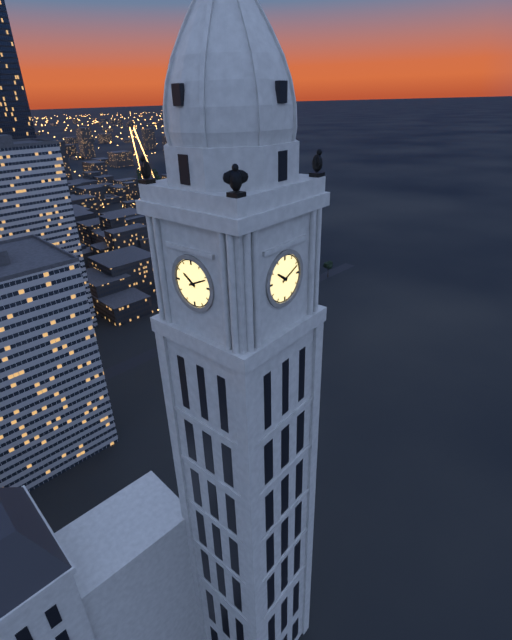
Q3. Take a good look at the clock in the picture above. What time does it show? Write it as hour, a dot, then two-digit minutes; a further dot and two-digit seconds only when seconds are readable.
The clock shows 10.11
